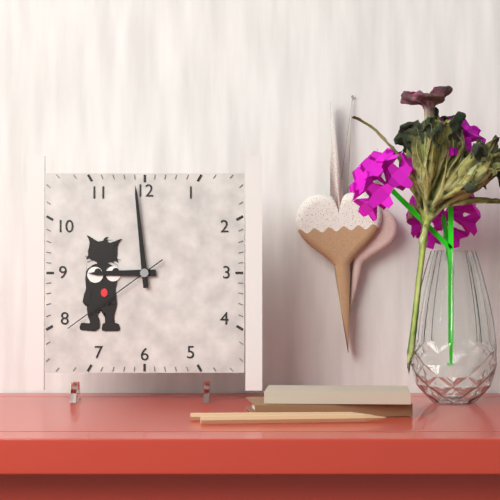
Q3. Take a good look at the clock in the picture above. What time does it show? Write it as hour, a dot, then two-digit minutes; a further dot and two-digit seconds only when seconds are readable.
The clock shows 8.59.39
